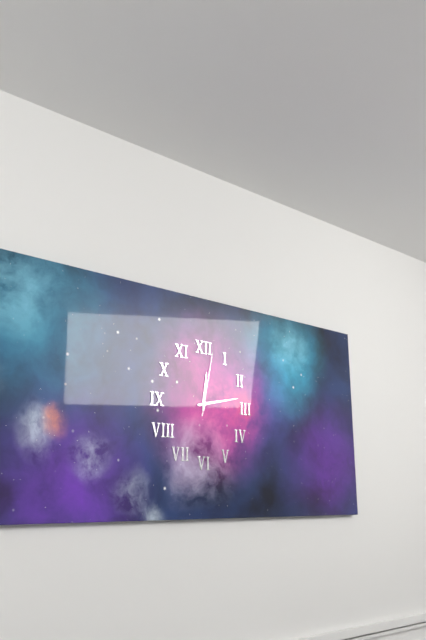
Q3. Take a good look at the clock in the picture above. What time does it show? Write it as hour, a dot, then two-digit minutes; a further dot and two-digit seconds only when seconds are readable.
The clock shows 12.13.02
